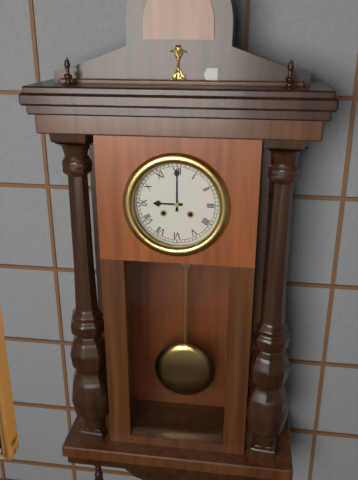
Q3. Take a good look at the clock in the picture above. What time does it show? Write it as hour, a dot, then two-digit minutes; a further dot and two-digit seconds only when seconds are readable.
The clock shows 9.00
